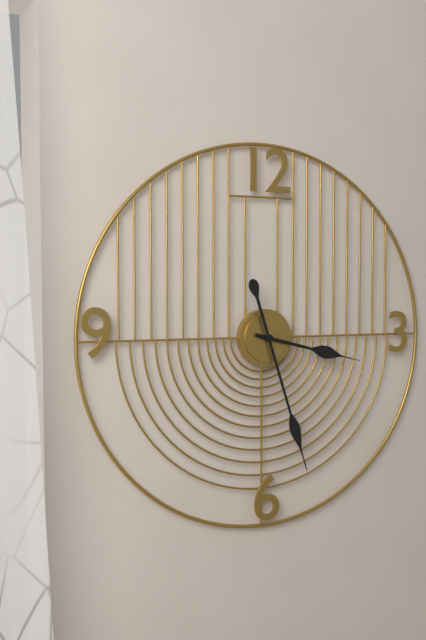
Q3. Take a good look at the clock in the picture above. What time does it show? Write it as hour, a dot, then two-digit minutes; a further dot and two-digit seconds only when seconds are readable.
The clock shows 3.27
